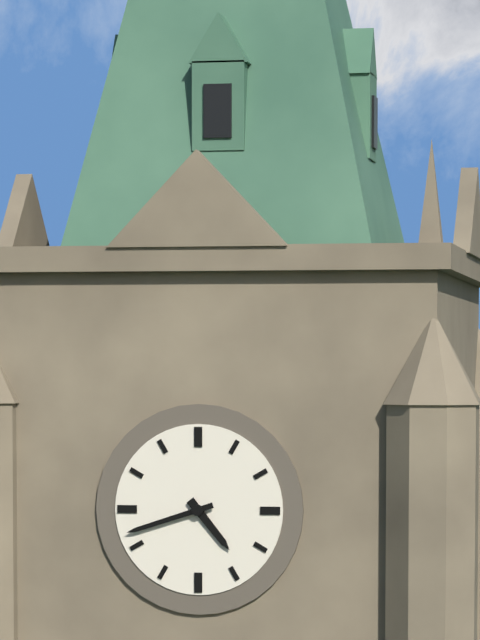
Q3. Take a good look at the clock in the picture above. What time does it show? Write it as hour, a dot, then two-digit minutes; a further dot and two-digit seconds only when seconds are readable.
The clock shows 4.42
